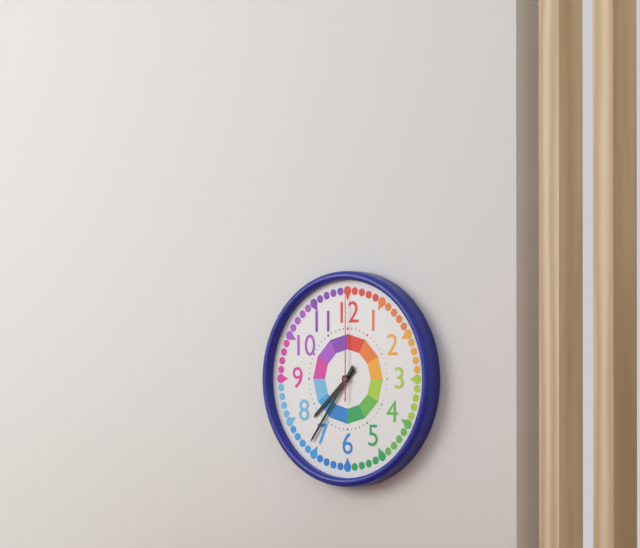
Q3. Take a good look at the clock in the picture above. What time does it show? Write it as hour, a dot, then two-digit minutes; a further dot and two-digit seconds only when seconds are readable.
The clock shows 7.36.00
